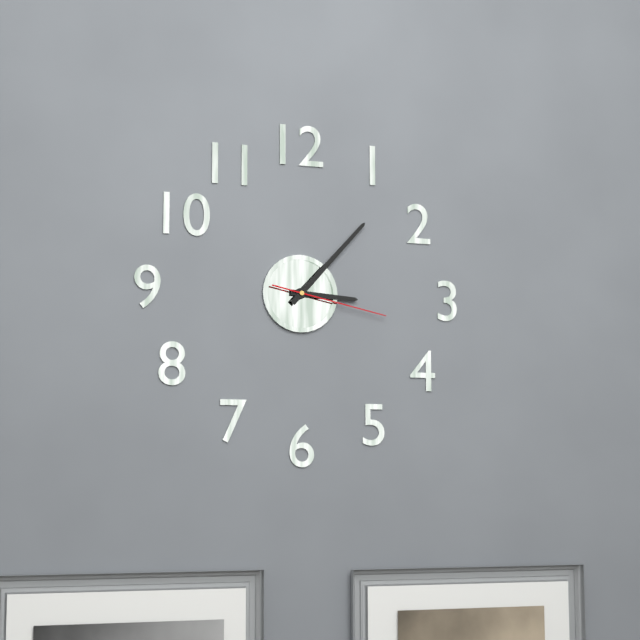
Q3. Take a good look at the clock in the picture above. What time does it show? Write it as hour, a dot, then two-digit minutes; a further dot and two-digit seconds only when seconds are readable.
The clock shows 3.07.17
